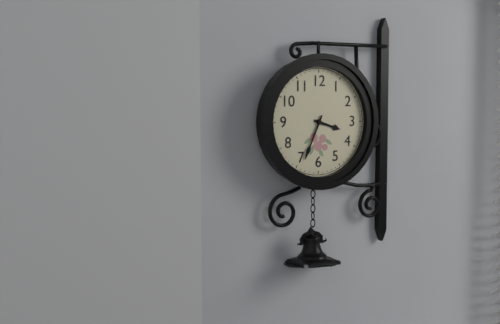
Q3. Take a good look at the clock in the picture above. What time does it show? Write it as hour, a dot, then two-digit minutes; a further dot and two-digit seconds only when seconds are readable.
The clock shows 3.34
